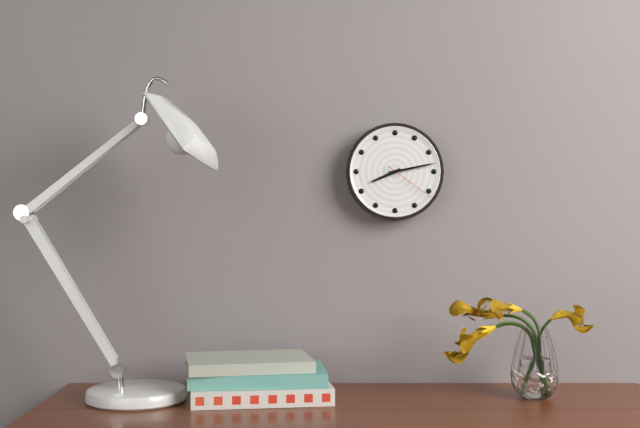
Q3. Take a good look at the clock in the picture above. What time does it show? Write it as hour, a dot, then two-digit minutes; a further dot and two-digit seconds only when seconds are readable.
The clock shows 8.13.21
